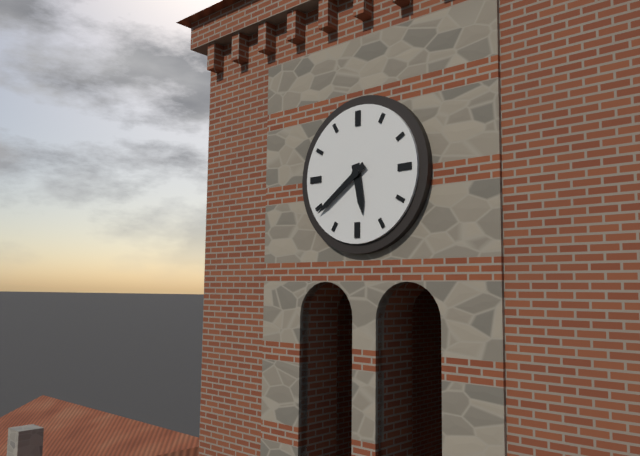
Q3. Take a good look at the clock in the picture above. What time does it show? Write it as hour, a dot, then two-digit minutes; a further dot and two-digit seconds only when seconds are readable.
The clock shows 5.39
